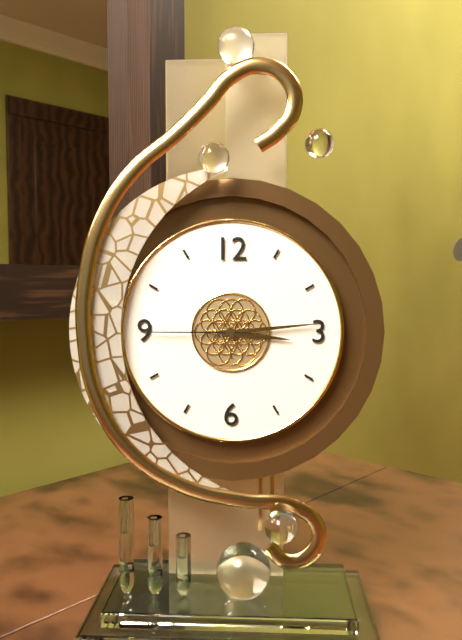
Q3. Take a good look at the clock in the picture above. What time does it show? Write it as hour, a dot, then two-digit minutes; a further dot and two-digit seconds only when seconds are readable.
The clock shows 3.14.45
